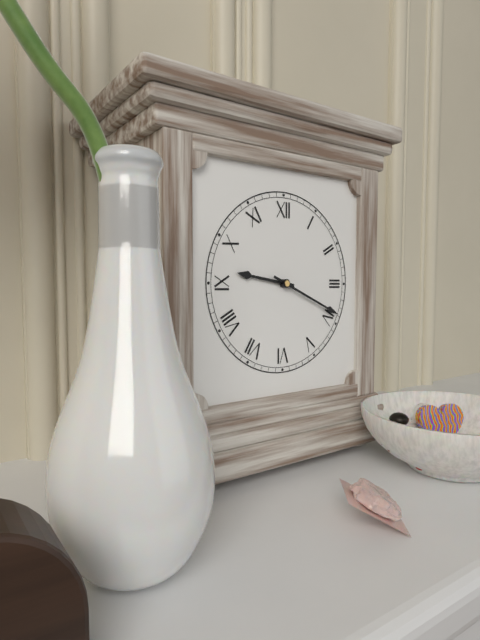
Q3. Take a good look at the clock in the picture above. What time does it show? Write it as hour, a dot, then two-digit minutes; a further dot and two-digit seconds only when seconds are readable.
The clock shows 9.19
